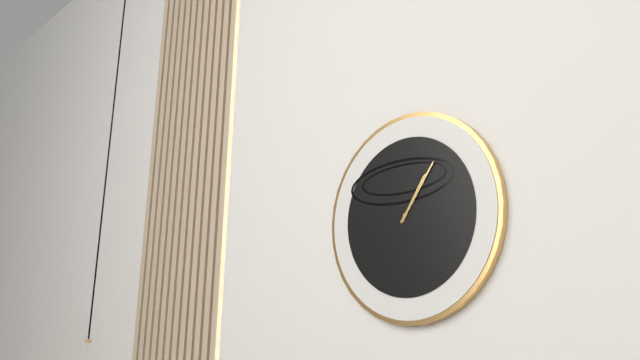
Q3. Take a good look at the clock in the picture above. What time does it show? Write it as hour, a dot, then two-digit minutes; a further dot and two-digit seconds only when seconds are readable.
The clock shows 1.06
